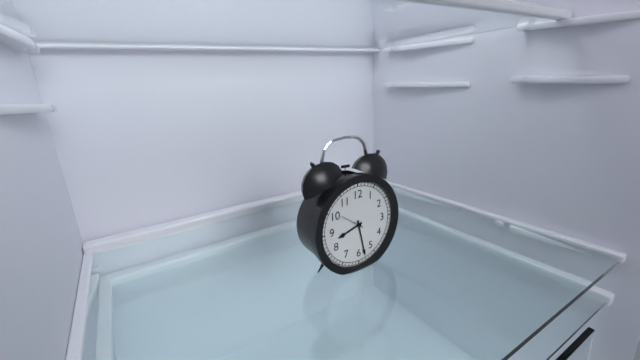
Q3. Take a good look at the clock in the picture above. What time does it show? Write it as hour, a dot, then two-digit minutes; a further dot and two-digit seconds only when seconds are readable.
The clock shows 8.28
